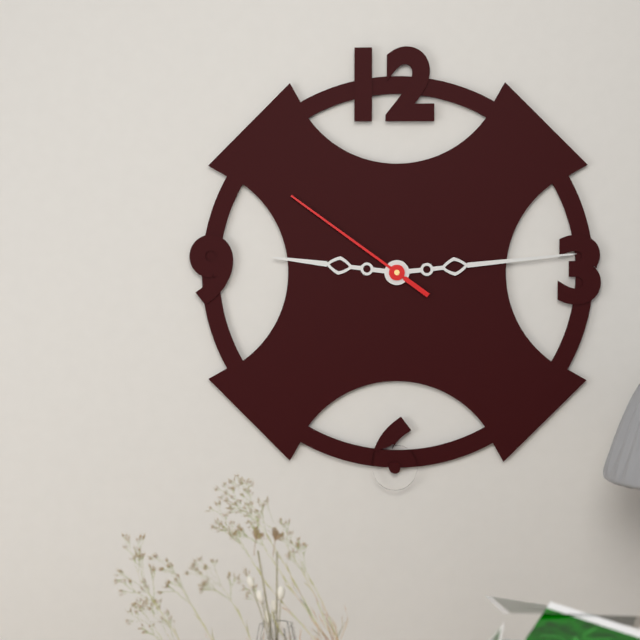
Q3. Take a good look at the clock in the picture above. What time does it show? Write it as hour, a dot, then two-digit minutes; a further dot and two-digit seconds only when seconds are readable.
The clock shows 9.14.51
